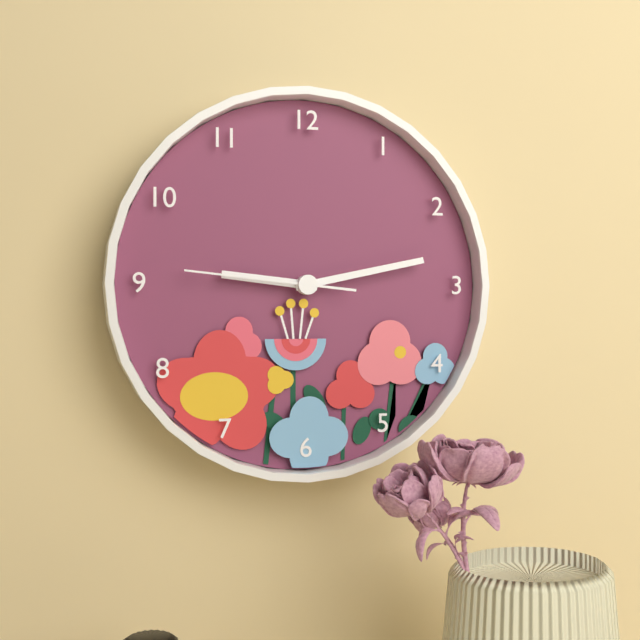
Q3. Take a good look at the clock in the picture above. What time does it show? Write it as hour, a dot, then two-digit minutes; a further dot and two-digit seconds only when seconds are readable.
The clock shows 9.13.46
